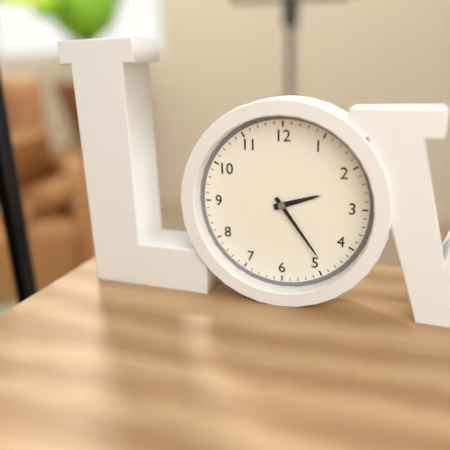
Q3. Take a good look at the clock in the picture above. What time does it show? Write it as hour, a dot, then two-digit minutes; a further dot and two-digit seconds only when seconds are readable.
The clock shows 2.24
